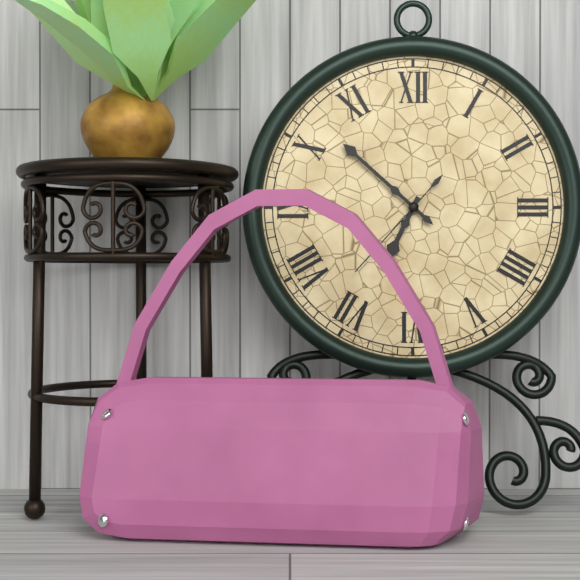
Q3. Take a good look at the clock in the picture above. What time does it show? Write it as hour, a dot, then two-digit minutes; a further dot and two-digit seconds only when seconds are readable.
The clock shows 6.52.37
